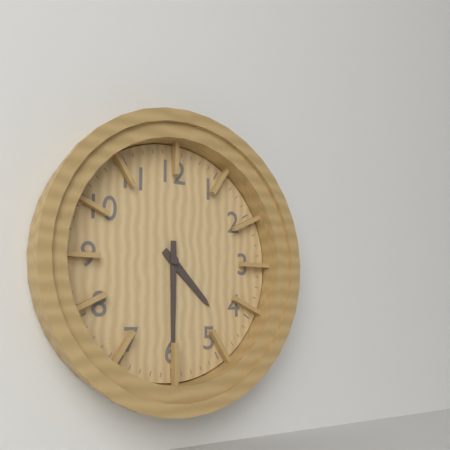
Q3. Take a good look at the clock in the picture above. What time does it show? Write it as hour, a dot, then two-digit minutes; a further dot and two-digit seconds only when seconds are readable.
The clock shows 4.30
